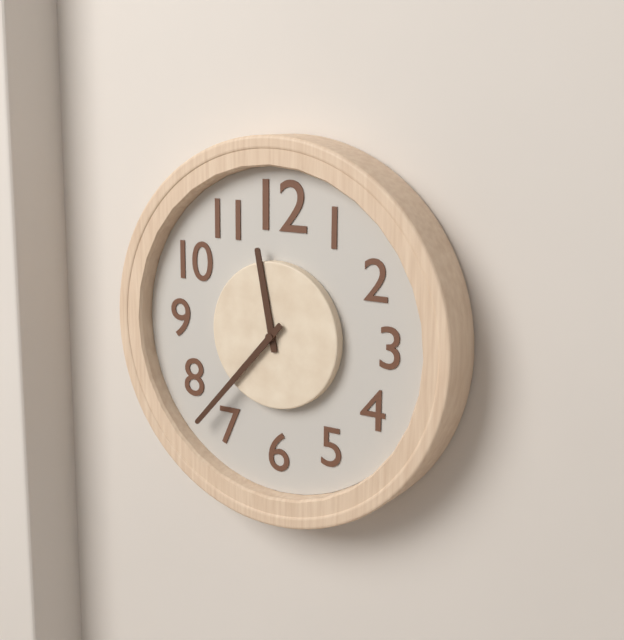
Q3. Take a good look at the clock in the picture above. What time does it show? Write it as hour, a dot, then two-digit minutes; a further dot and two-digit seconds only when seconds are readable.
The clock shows 11.37
